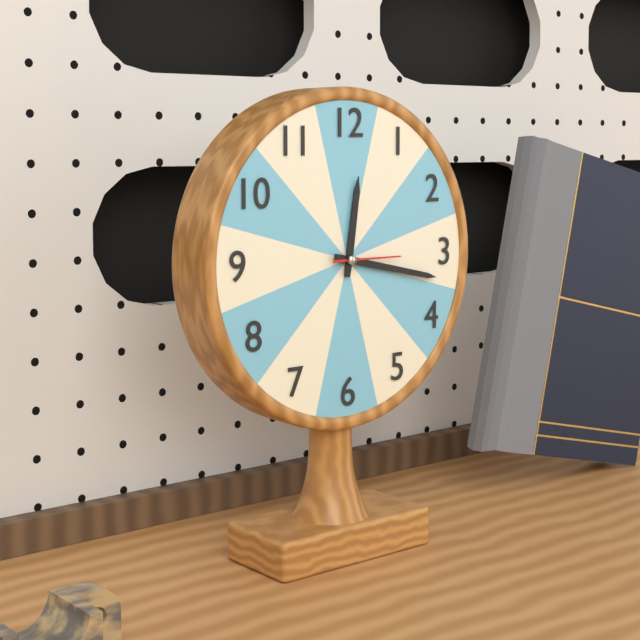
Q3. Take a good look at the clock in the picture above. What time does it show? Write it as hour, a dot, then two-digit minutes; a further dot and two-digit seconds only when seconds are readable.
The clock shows 12.17.15
